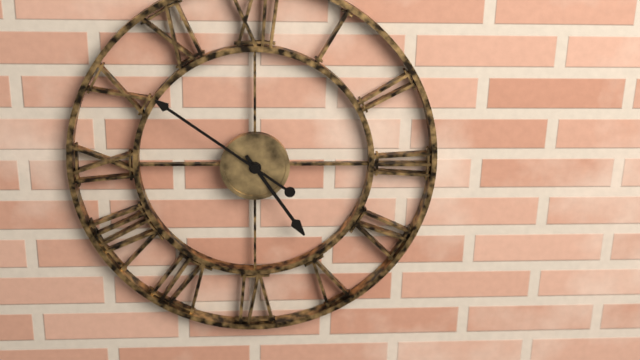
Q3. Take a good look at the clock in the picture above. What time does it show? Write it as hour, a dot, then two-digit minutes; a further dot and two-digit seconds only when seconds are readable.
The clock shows 4.51
